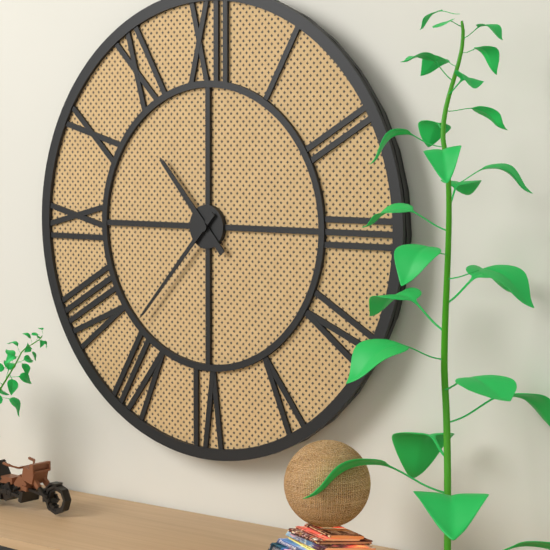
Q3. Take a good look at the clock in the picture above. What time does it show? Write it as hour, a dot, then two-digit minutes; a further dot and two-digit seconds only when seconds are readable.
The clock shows 10.37
